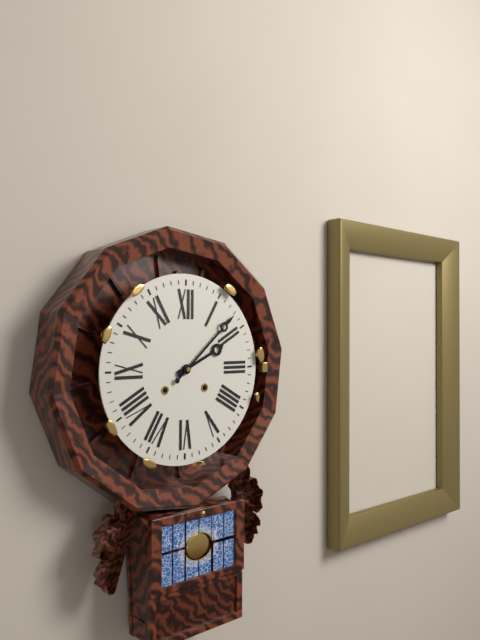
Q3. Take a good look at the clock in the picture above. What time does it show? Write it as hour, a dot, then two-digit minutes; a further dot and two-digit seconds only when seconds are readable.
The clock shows 2.08
